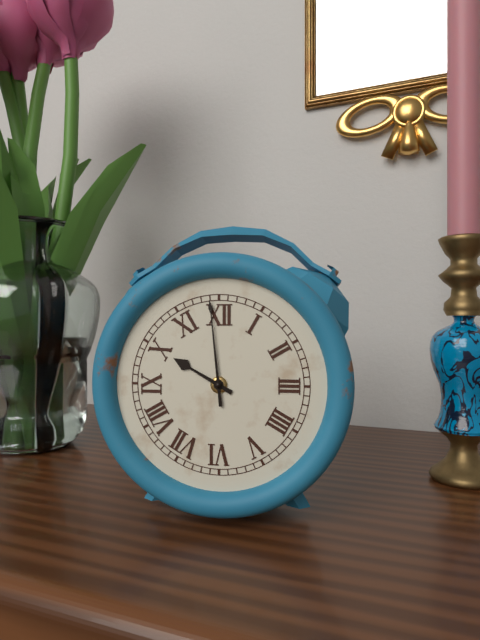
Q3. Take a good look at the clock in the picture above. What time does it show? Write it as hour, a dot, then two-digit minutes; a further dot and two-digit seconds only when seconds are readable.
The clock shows 9.59
